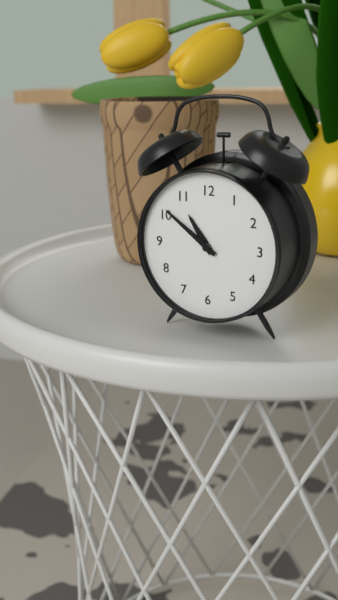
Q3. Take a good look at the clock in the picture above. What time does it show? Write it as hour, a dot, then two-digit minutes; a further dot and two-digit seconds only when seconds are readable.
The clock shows 10.51
